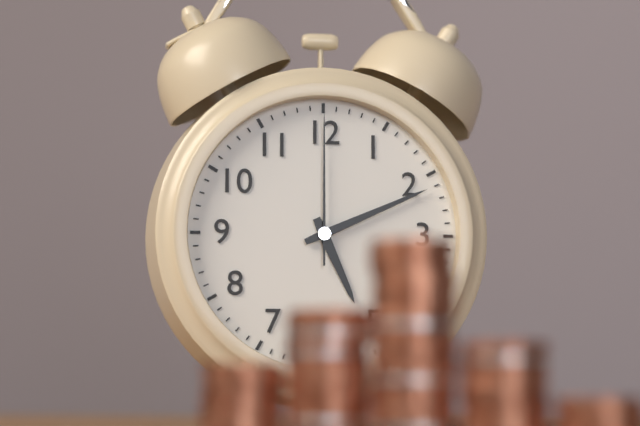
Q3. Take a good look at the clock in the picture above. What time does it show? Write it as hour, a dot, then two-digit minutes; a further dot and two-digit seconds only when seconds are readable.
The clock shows 5.11.00
